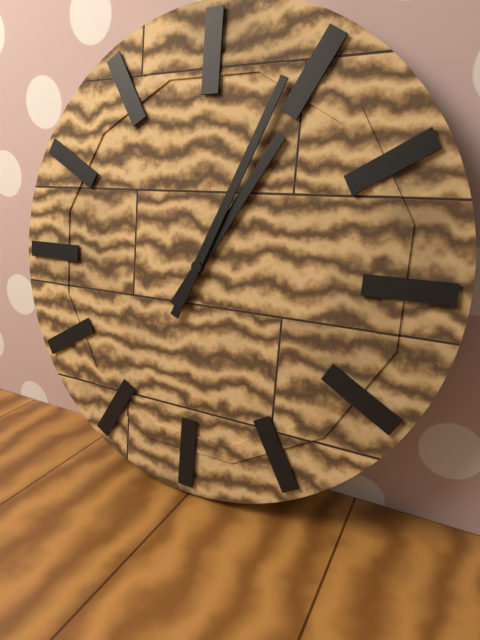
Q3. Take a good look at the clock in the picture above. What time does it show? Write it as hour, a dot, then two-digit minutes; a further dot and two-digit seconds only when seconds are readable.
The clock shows 1.04
